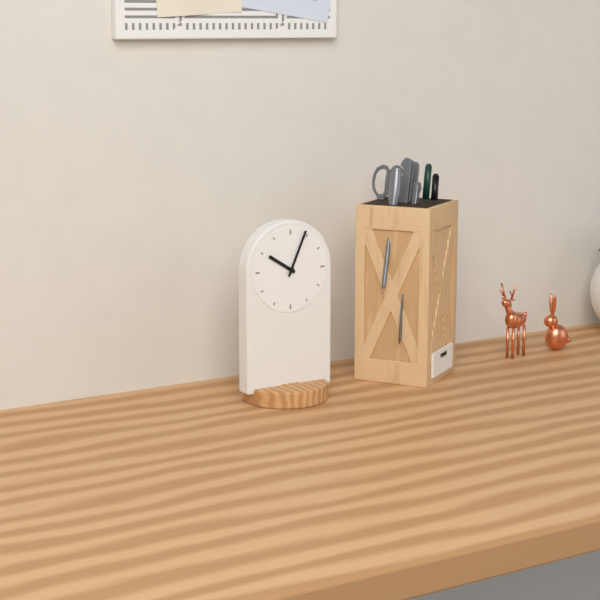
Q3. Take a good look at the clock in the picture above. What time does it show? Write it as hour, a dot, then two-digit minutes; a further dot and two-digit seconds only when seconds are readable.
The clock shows 10.04
